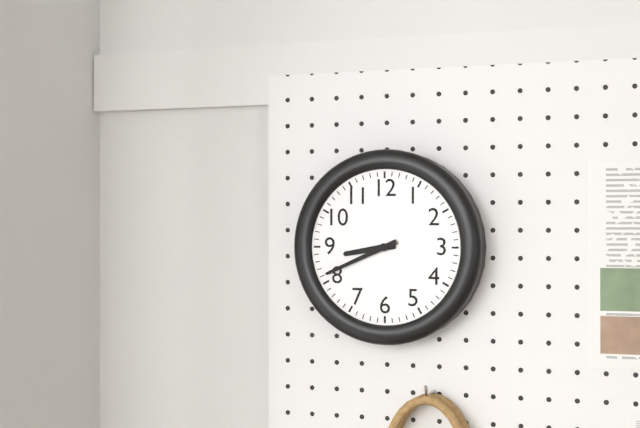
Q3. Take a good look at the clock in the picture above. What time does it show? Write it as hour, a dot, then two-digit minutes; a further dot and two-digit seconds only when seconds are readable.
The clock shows 8.41
